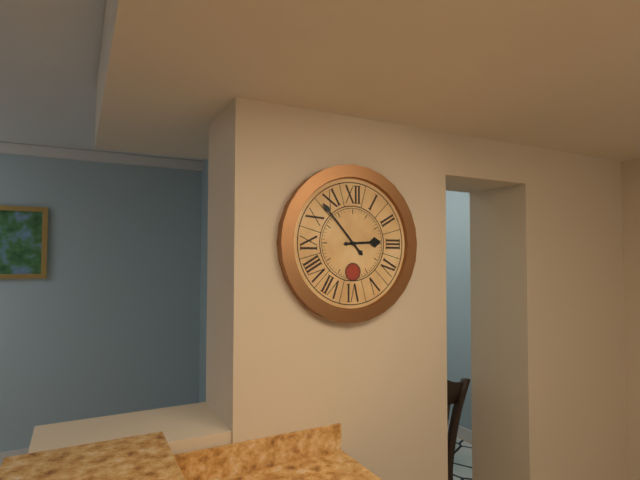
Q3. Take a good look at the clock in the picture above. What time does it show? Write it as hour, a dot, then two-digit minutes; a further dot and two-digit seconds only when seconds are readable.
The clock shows 2.53
